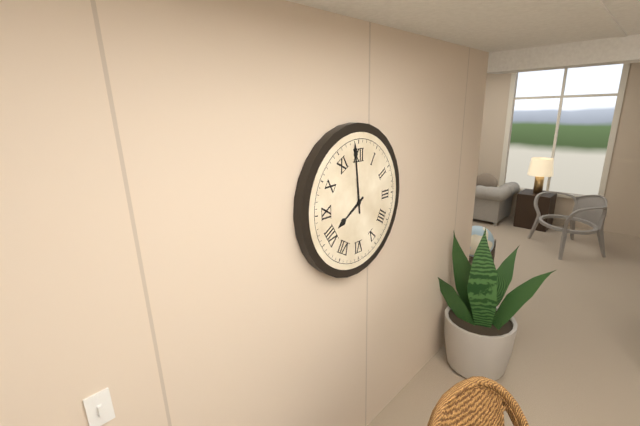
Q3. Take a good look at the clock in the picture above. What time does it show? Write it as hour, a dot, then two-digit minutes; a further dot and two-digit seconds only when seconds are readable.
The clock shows 7.59
